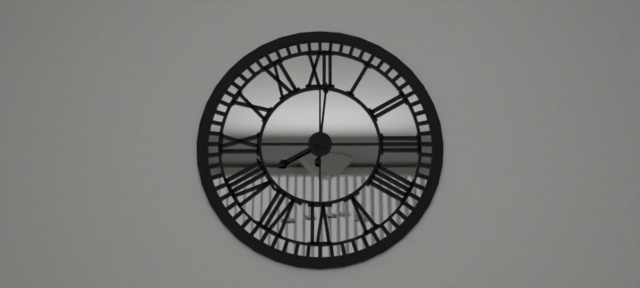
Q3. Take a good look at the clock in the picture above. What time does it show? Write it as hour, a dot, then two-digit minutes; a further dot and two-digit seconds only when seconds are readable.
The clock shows 8.01
